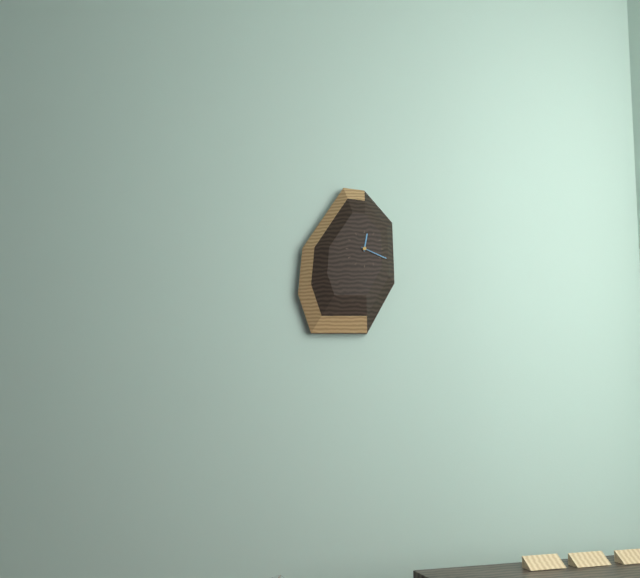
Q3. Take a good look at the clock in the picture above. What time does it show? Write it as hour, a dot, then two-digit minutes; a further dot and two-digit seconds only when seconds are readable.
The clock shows 12.19
